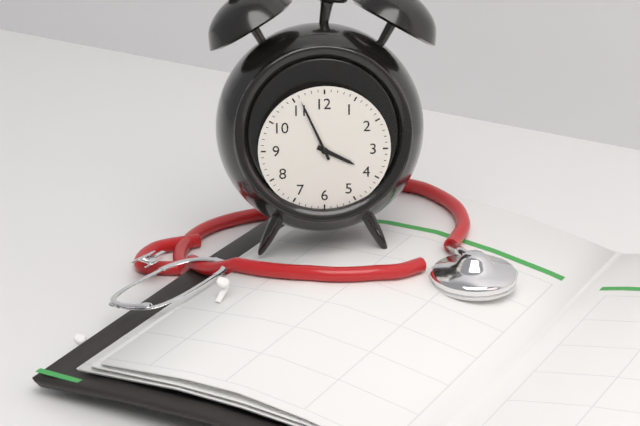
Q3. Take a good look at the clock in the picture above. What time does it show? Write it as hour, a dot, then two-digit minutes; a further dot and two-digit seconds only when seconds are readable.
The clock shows 3.56
